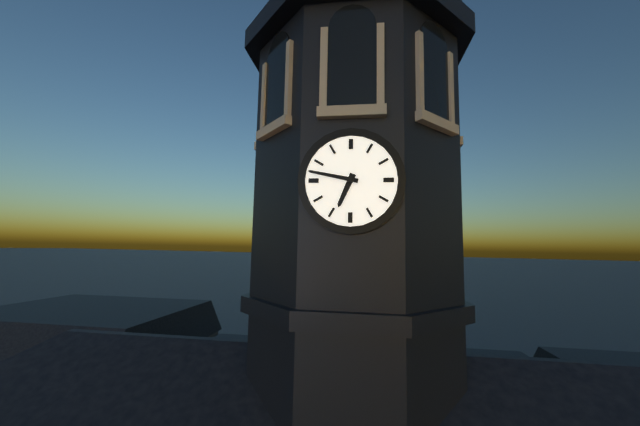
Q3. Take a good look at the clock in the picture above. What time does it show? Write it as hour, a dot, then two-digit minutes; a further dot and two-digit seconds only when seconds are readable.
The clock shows 6.47
